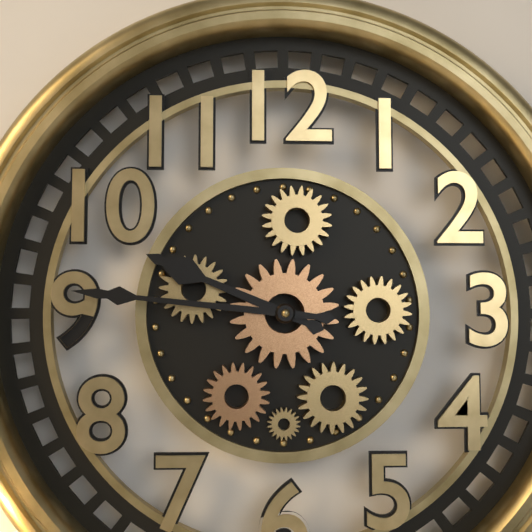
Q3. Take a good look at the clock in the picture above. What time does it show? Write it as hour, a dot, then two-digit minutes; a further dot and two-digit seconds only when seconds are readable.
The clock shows 9.46
